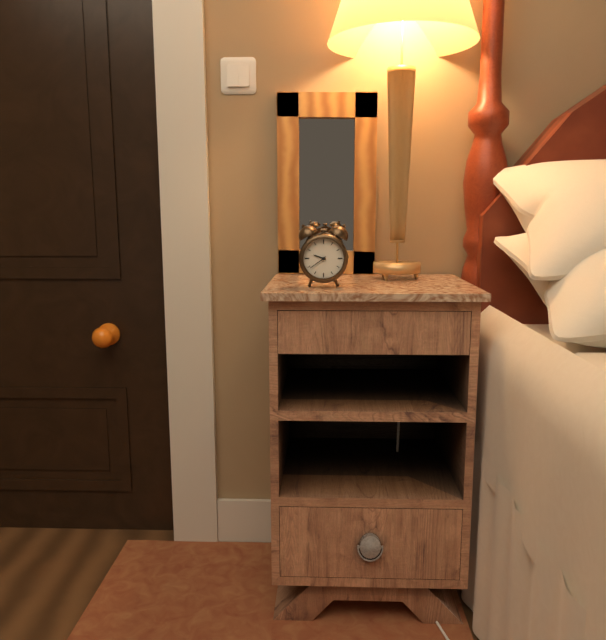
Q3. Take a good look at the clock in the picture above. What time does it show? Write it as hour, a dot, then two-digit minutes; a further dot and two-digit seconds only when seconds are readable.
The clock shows 9.39
